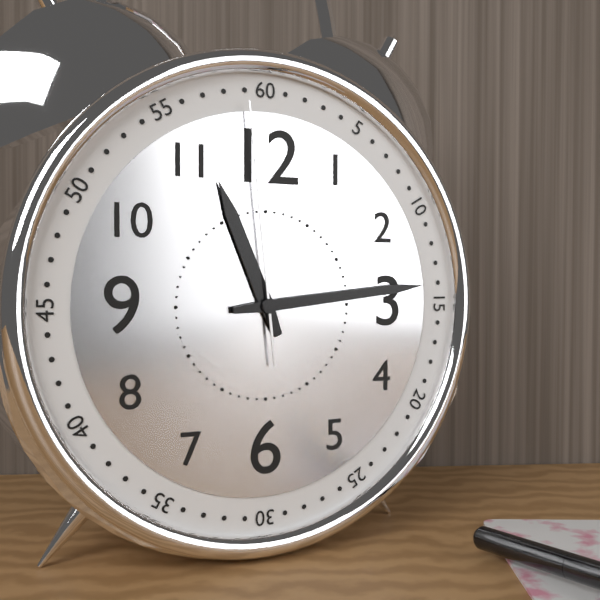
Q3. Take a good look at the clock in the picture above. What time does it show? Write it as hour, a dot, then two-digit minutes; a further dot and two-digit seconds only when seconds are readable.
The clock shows 11.14.59
